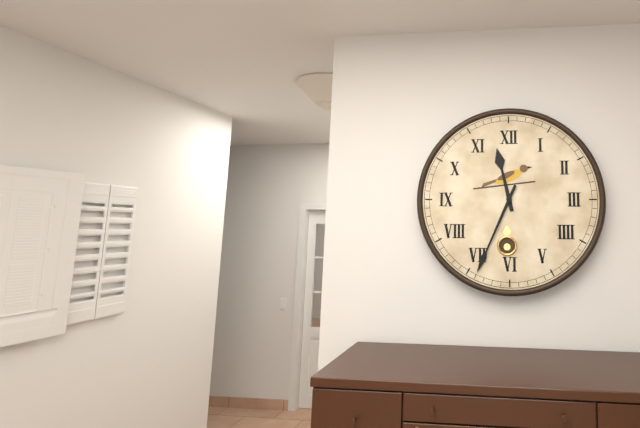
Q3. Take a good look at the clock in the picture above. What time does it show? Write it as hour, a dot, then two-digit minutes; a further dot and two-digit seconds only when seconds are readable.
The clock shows 11.34
